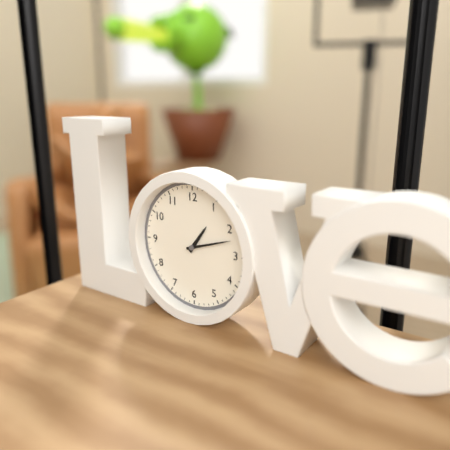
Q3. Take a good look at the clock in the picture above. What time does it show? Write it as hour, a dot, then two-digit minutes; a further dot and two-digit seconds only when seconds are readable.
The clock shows 1.12
